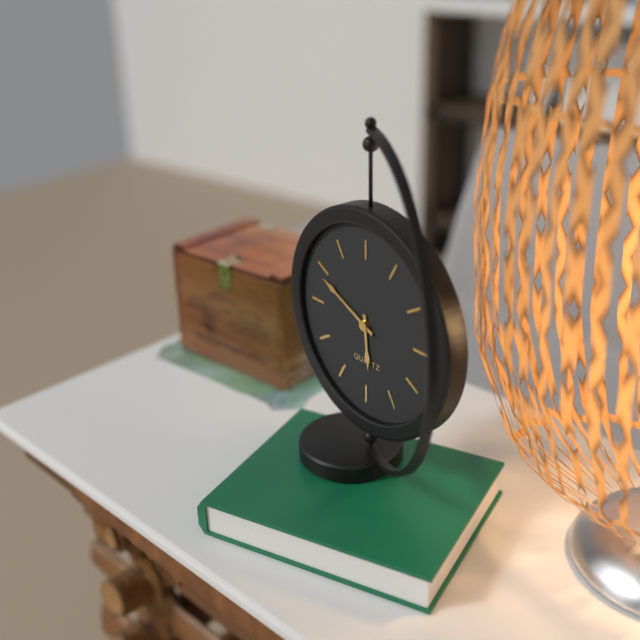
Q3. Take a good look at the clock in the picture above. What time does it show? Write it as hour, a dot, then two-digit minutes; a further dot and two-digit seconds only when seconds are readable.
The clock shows 5.49
